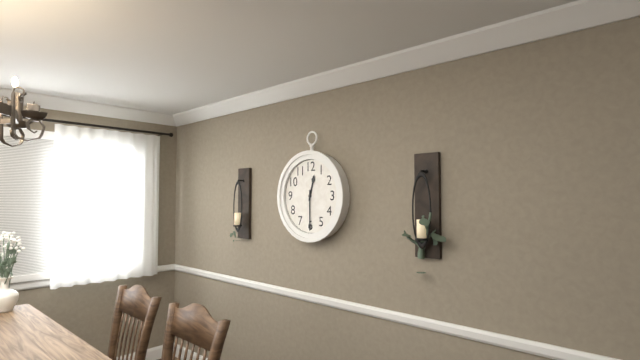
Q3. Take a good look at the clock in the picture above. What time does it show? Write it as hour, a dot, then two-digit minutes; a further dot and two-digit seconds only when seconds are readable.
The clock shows 12.30
